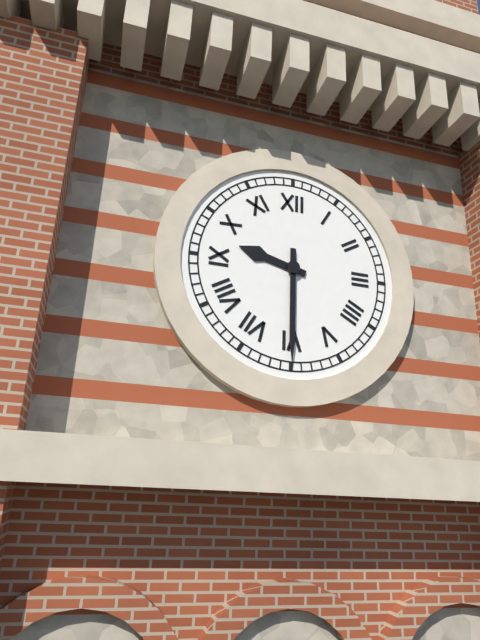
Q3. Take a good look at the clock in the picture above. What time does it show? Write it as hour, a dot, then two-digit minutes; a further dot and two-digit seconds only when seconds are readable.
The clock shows 9.30
